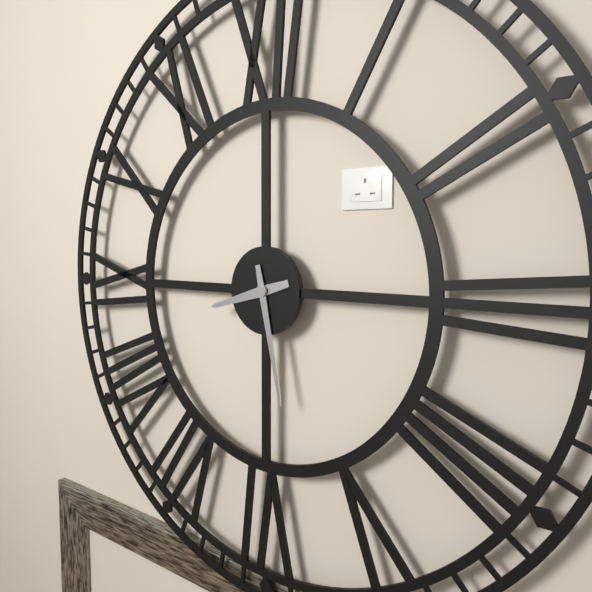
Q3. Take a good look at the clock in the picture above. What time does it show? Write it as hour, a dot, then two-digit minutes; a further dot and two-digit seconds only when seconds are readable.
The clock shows 8.28
